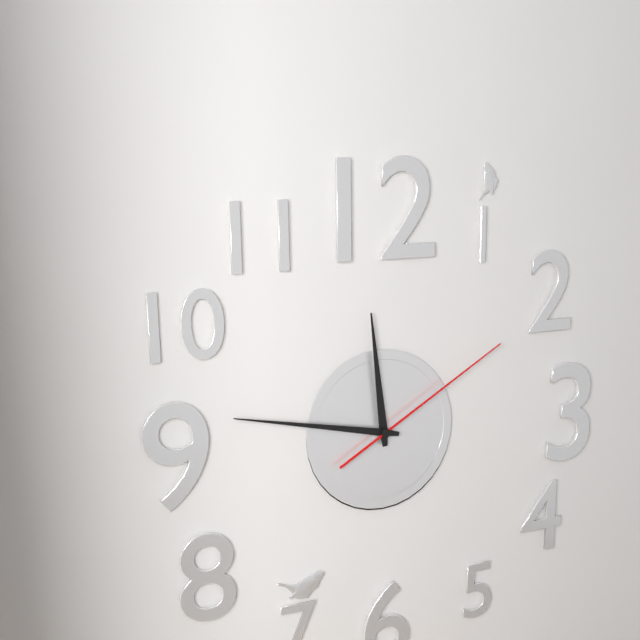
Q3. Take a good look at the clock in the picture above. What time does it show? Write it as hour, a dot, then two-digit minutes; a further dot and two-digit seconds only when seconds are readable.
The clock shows 11.47.10
